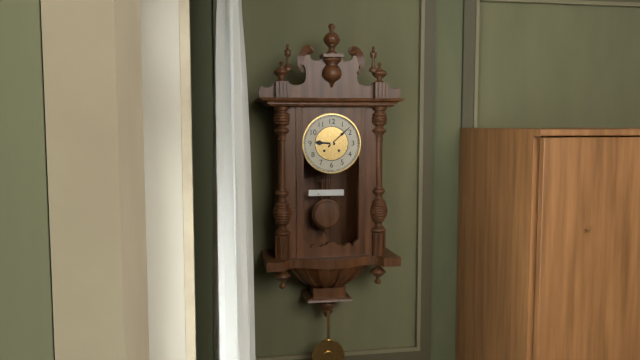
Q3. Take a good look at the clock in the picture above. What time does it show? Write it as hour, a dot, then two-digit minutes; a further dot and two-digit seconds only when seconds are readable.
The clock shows 9.08
